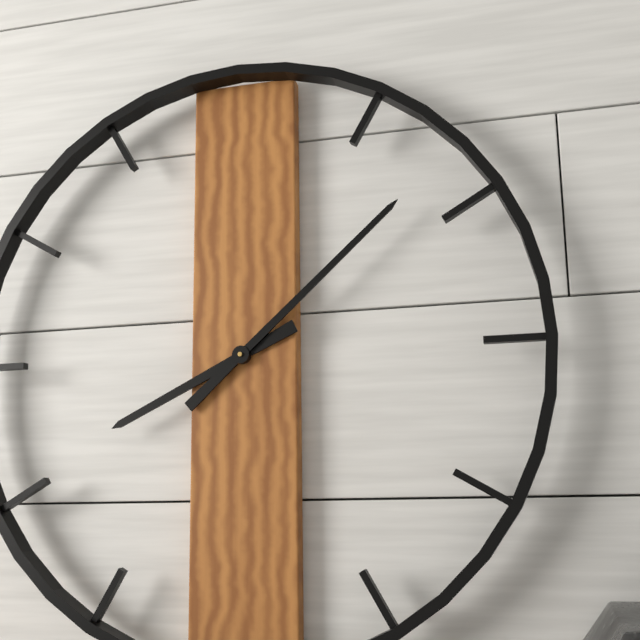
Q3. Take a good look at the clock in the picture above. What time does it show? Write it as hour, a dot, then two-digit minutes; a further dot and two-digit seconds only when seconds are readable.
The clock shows 8.08
